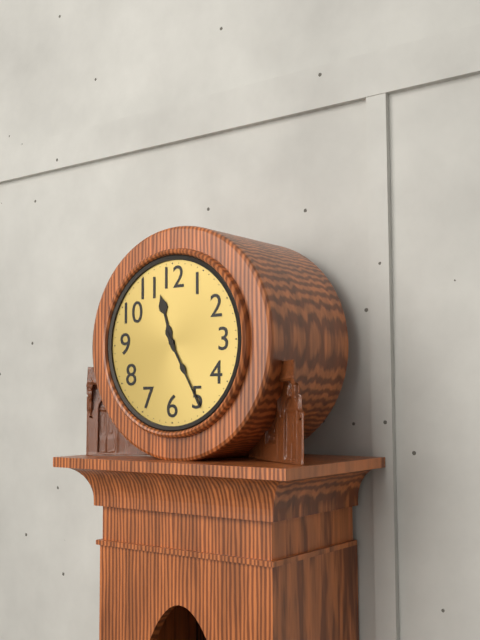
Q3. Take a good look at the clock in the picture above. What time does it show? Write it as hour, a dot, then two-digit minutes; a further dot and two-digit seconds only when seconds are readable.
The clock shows 11.25
